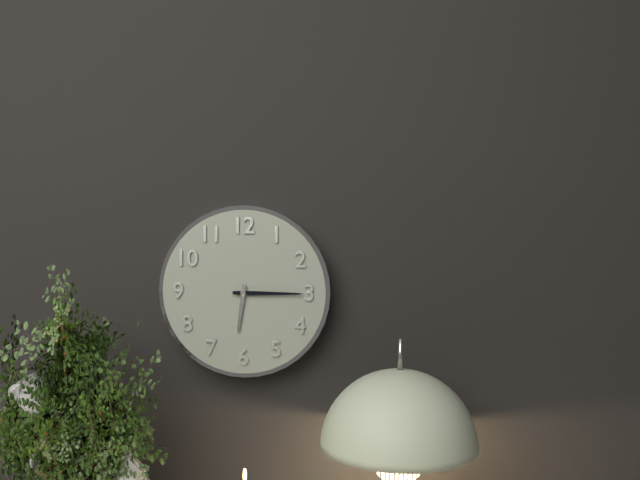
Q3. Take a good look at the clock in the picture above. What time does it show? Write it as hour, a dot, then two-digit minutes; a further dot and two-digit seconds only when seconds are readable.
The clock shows 6.15
